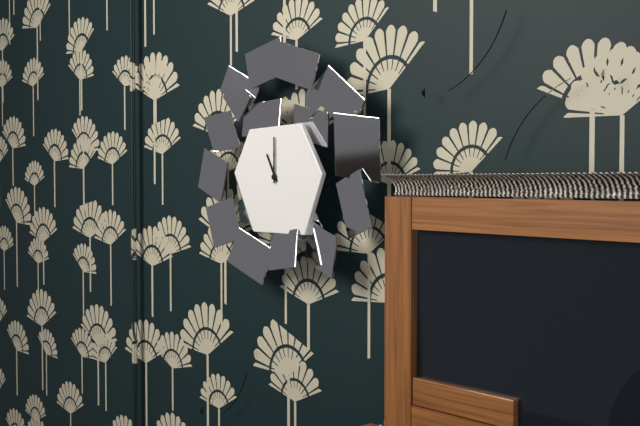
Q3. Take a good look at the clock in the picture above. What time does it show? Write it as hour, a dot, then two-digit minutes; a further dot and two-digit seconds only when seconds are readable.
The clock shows 11.00
